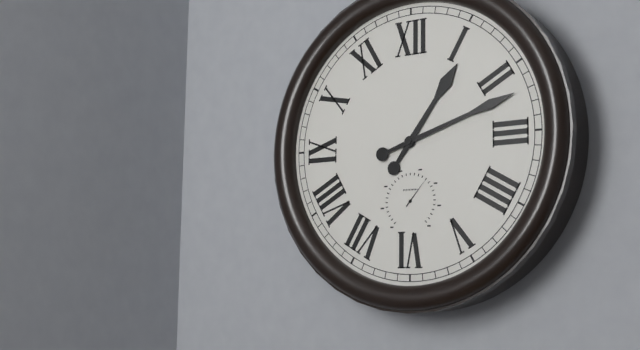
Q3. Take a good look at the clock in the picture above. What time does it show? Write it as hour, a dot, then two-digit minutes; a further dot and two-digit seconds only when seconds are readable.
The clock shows 1.12
